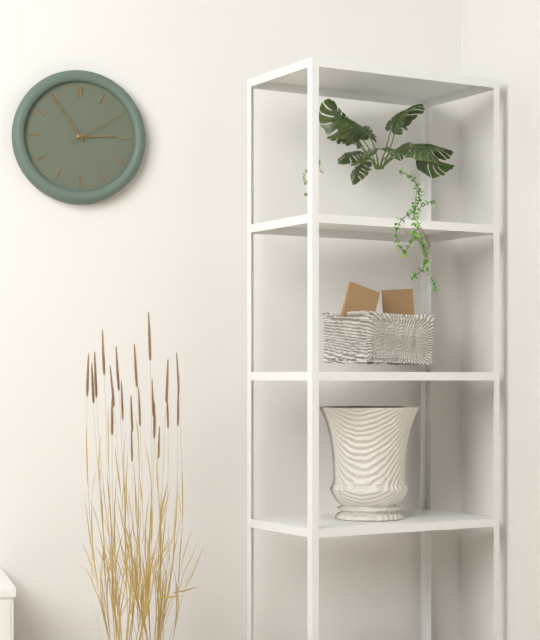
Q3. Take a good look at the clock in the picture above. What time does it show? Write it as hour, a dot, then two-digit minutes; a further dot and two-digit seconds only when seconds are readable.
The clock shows 2.54.10
